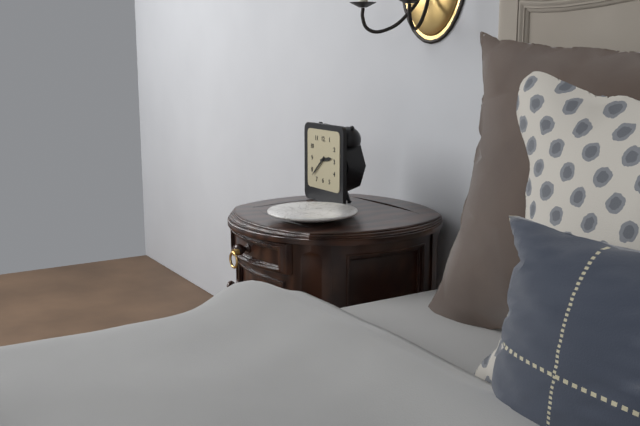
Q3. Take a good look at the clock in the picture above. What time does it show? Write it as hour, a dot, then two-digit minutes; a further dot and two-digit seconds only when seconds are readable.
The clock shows 2.38
